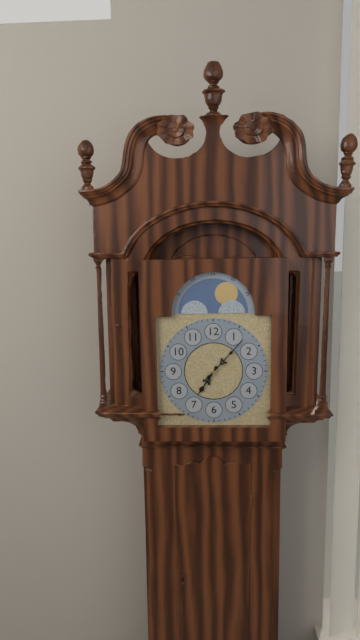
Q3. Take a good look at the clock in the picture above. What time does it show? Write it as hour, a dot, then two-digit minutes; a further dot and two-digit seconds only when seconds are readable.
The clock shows 7.07
